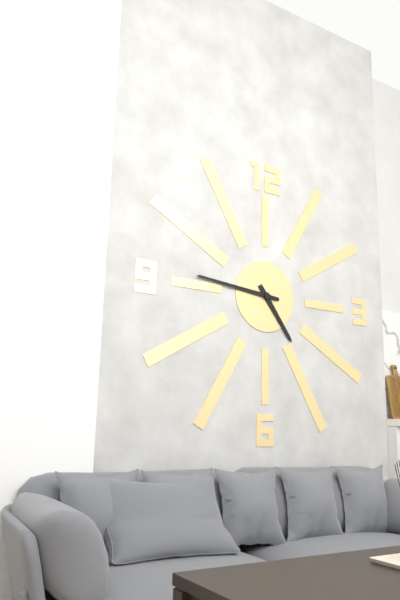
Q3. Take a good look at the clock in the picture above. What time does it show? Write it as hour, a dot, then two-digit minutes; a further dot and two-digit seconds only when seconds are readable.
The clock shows 4.46
